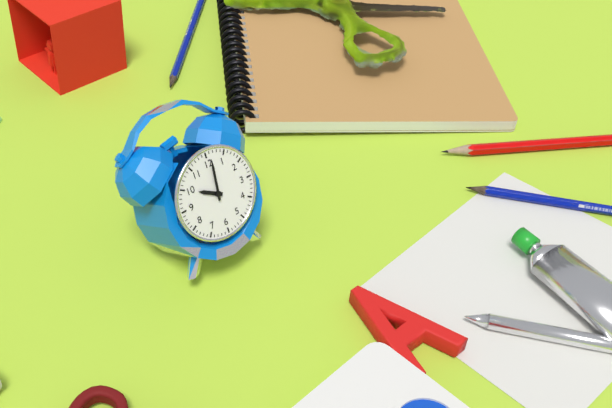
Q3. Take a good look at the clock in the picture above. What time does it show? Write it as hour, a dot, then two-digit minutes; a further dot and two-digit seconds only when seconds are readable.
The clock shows 10.01
